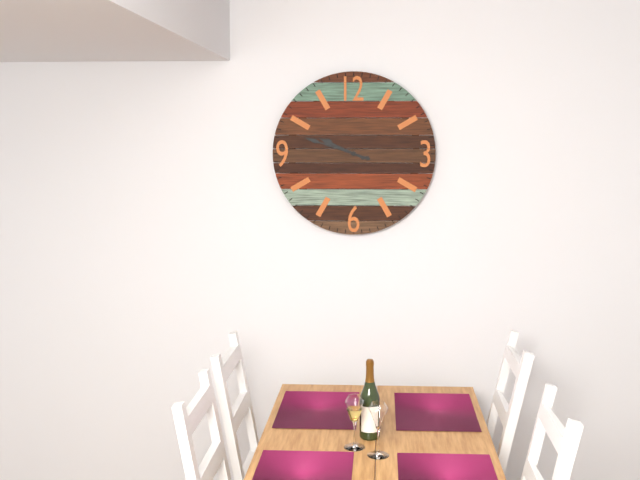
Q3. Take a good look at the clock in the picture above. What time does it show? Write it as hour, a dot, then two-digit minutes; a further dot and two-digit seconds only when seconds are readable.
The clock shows 9.48
